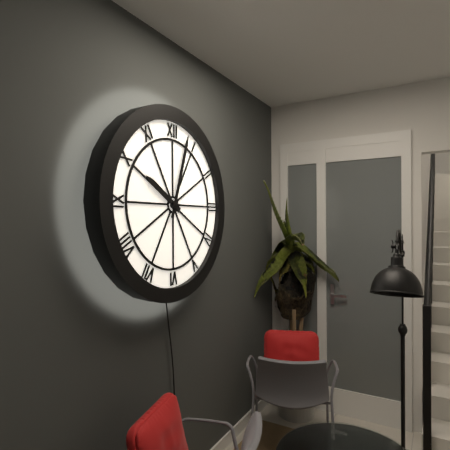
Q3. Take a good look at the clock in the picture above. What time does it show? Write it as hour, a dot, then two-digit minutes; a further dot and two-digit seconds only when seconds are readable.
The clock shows 10.03
